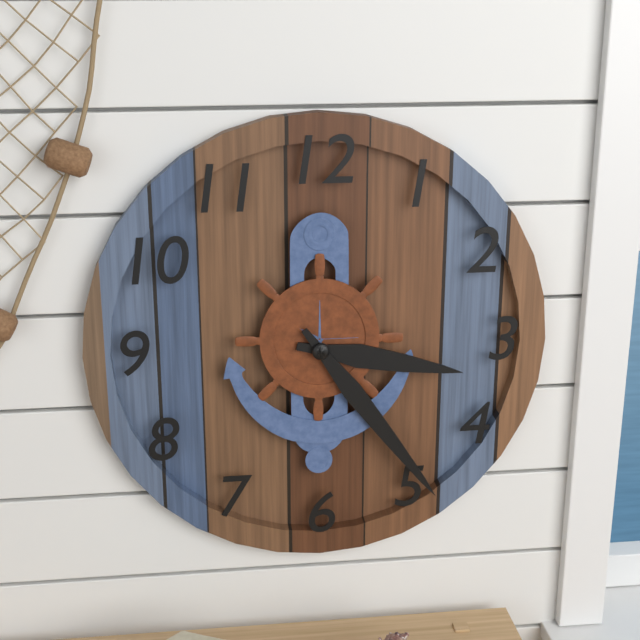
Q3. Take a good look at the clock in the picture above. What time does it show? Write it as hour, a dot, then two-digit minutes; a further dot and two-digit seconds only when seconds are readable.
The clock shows 3.24
